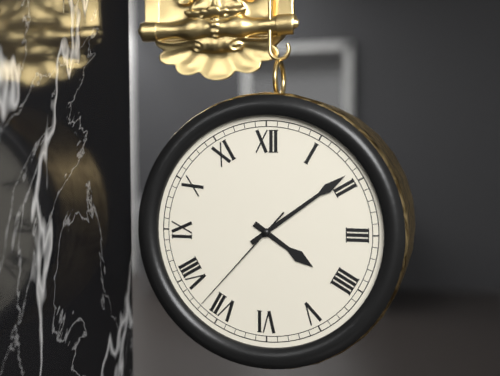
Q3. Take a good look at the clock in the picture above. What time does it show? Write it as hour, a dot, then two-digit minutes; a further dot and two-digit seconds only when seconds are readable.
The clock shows 4.09.37
